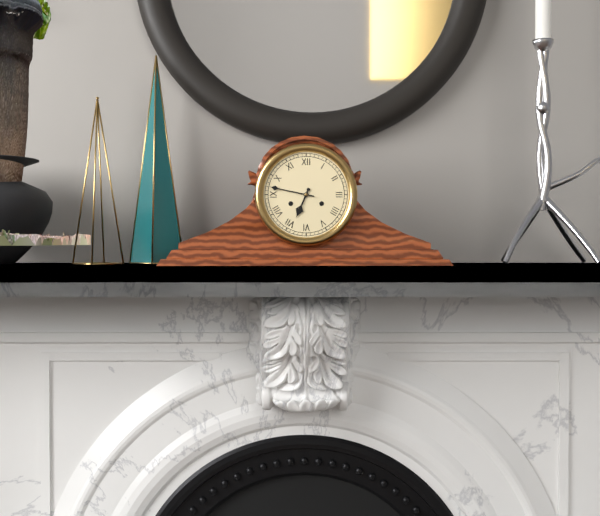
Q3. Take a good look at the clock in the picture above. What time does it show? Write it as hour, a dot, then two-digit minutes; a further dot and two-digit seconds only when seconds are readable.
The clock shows 6.47
